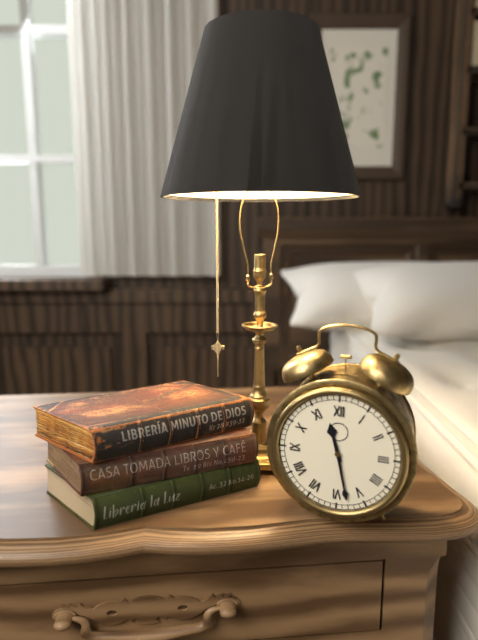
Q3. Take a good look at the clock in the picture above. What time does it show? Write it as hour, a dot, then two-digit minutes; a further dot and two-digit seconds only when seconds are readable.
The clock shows 11.28
